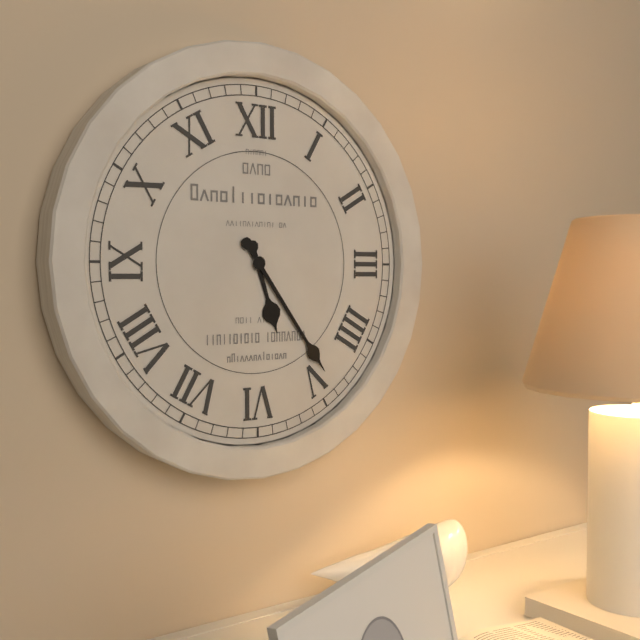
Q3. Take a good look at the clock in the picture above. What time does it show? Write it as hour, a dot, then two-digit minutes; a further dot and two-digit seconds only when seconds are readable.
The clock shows 5.24
